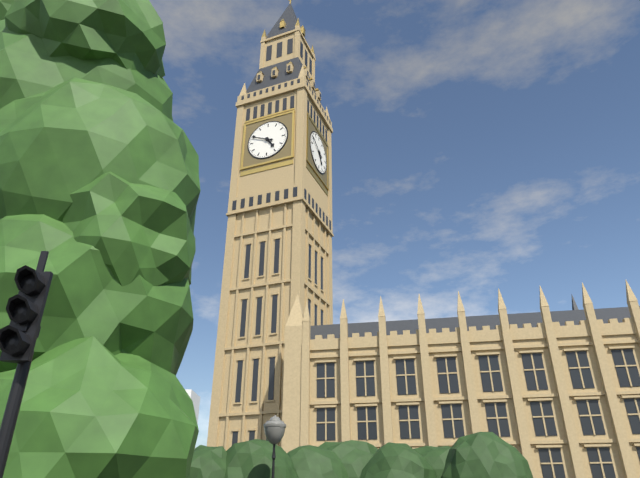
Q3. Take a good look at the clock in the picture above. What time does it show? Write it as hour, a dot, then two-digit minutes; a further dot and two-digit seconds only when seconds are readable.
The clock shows 4.49
